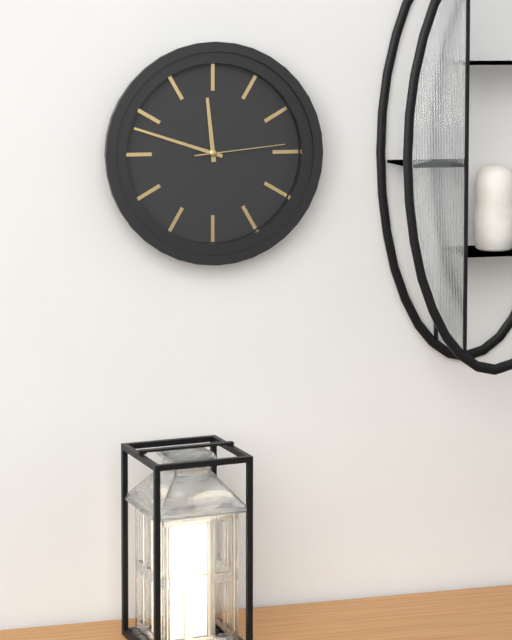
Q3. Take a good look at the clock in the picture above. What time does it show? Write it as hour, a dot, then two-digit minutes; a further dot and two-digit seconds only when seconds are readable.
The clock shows 11.48.14
